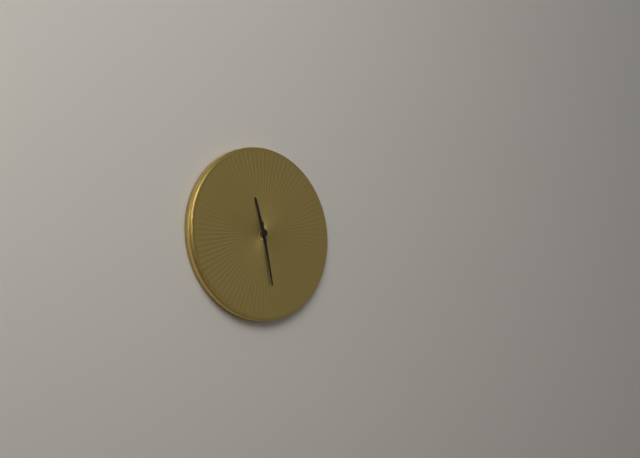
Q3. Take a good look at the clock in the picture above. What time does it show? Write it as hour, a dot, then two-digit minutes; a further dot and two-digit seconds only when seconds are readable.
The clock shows 11.28
